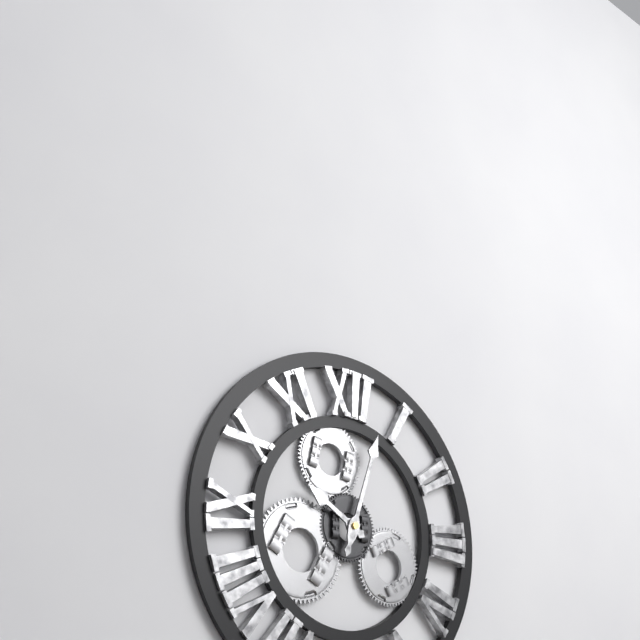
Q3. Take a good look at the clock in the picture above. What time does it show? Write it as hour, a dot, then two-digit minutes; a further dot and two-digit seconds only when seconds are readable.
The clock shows 10.03
